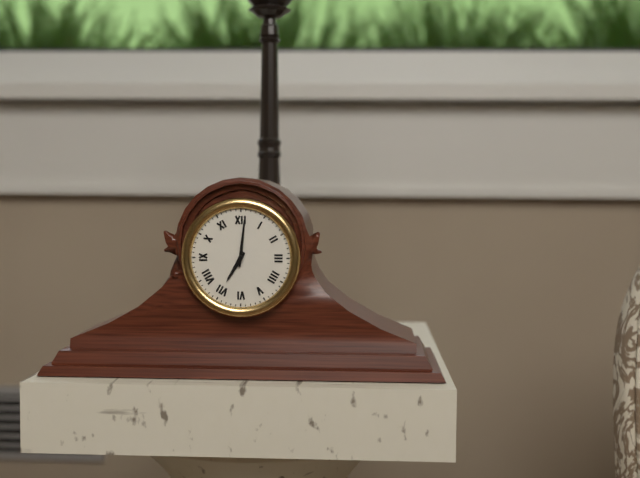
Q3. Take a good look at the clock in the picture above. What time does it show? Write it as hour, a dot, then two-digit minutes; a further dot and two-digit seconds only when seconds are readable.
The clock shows 7.01
